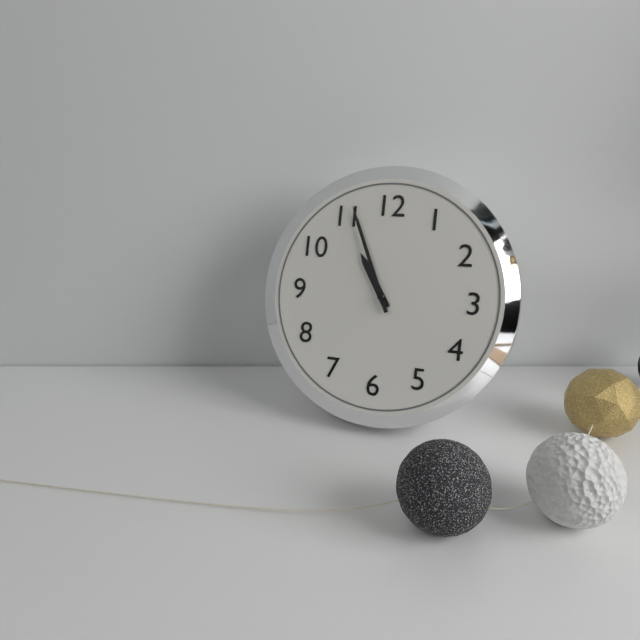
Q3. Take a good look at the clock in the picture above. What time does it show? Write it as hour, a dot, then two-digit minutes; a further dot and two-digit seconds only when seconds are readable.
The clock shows 10.56
